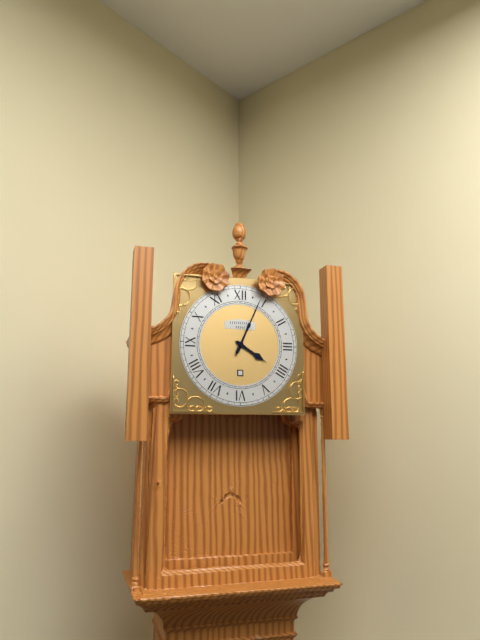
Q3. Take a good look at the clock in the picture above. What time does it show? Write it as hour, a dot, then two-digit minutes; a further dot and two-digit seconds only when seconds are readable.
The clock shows 4.04
